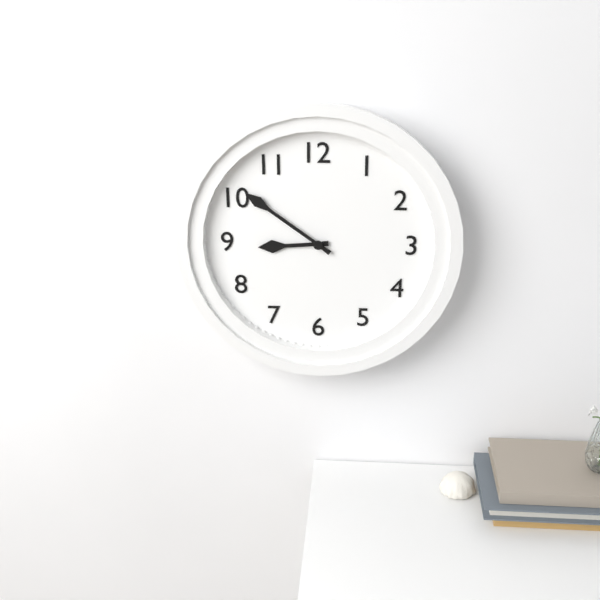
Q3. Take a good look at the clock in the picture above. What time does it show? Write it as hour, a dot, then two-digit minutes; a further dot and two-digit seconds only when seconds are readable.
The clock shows 8.51
